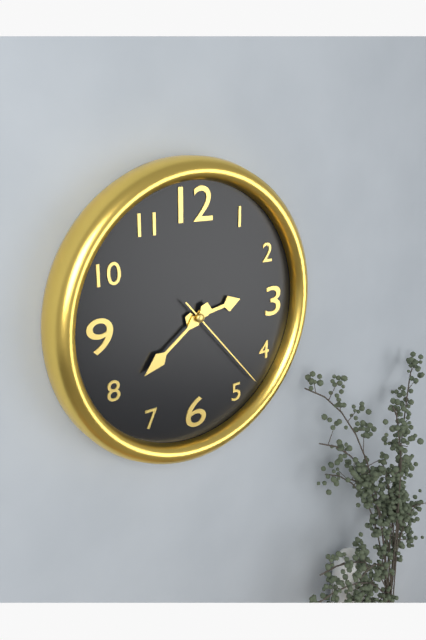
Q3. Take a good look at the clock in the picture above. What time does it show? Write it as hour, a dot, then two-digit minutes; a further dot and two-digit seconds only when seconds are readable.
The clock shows 2.39.23
